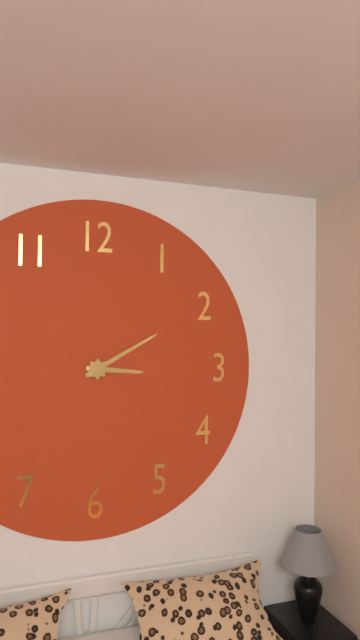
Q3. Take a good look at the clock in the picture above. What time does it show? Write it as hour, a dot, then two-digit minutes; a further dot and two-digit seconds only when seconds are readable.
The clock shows 3.10
